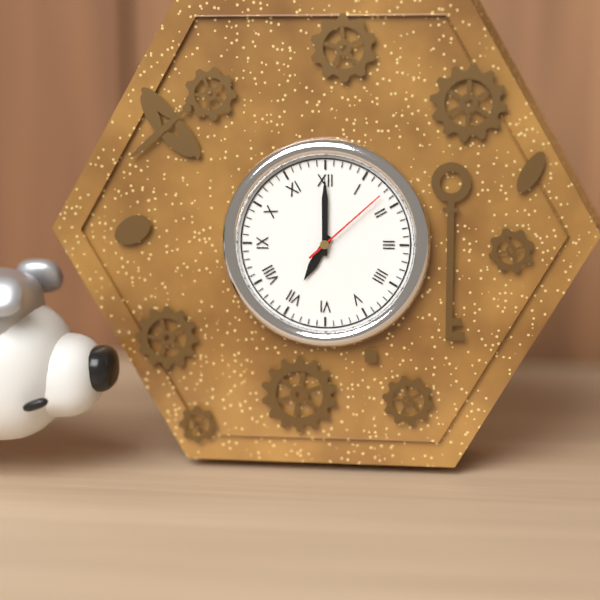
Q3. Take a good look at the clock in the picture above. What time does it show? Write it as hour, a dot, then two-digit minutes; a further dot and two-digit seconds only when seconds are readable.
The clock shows 7.00.08
